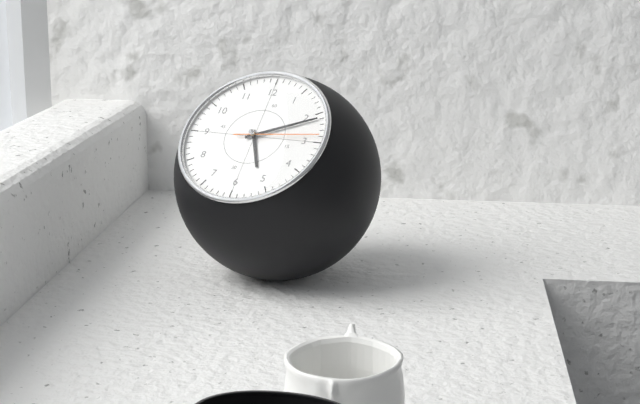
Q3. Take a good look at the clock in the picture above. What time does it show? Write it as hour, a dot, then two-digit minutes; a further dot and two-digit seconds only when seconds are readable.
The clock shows 5.11.14
